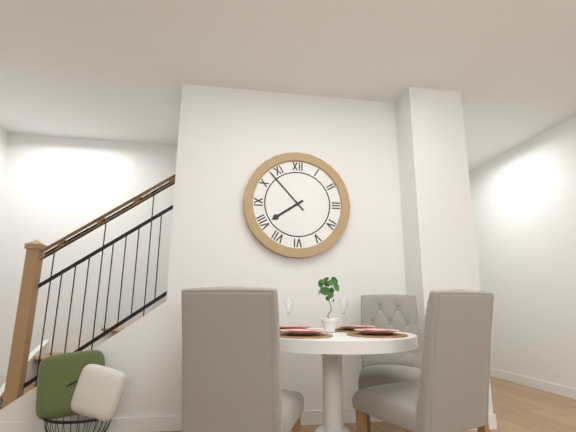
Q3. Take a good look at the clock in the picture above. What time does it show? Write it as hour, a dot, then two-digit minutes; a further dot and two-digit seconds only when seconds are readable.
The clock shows 7.53
